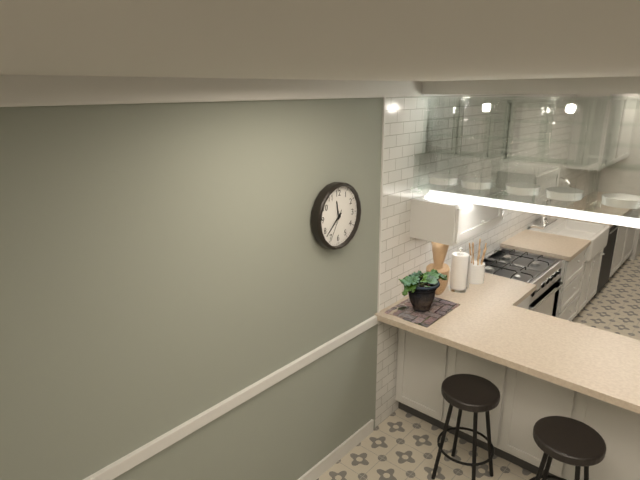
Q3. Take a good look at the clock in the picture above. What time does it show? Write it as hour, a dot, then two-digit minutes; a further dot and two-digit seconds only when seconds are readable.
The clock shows 11.38
